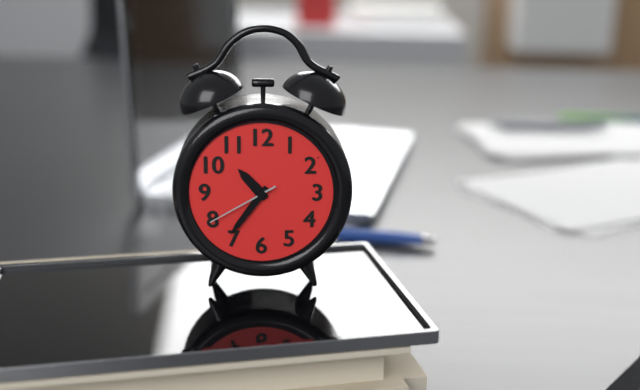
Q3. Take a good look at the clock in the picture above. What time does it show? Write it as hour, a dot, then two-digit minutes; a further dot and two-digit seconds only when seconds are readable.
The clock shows 10.36.40
